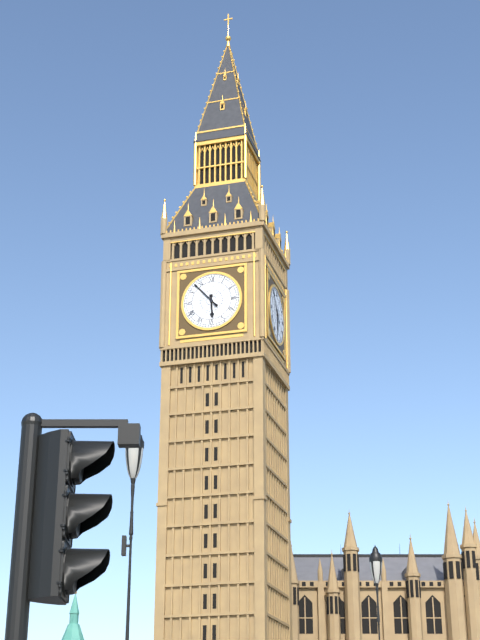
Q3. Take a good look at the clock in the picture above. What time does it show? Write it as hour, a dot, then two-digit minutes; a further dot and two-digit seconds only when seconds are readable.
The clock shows 5.53
